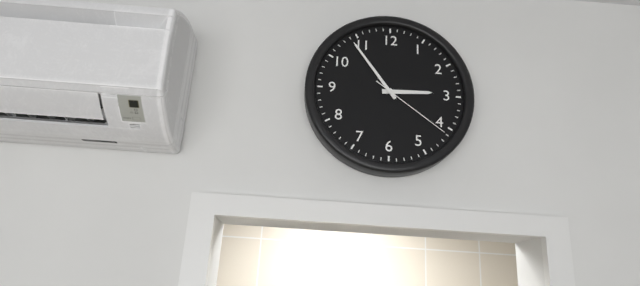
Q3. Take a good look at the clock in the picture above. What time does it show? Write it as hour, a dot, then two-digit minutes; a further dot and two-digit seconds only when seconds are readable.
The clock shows 2.54.21
